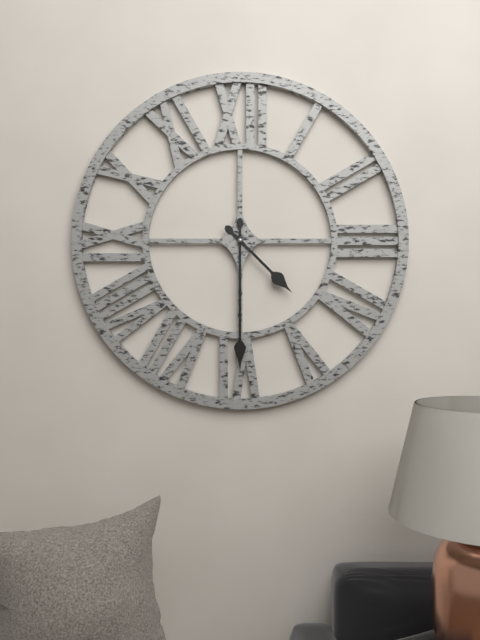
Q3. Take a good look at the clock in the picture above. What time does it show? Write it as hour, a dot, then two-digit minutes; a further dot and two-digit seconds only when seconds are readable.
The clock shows 4.30
